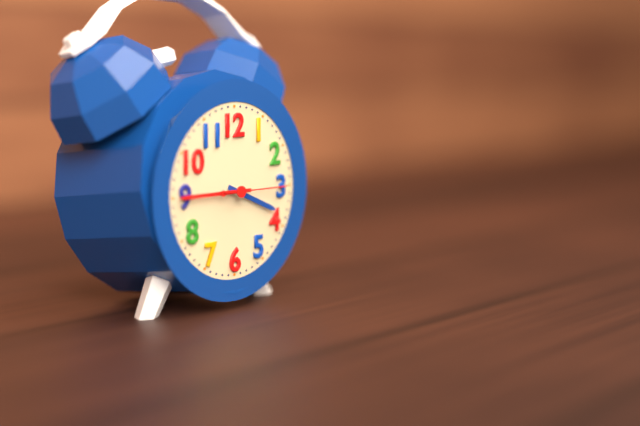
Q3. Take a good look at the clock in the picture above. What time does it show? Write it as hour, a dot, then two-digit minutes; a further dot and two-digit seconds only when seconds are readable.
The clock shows 3.45.15
